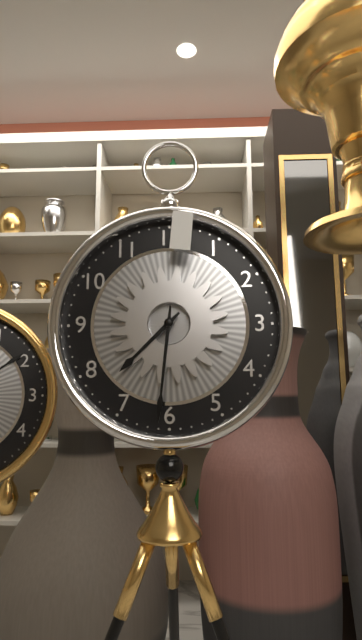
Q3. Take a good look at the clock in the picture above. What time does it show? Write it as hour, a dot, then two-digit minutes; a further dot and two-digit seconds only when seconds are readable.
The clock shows 7.31
